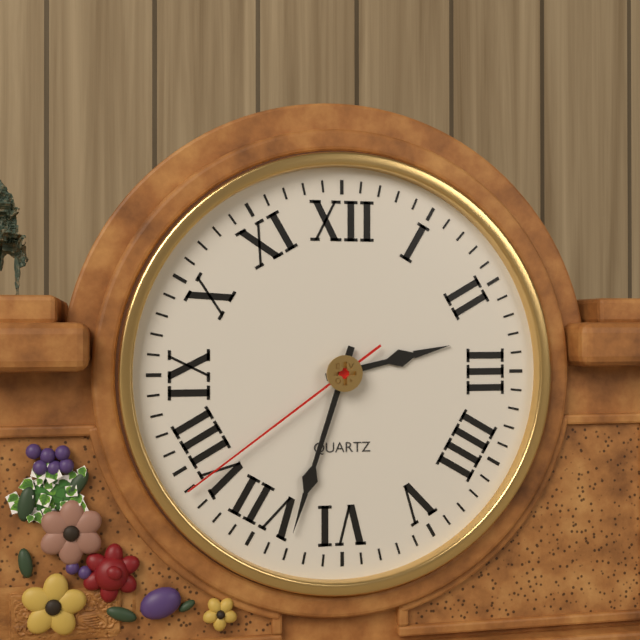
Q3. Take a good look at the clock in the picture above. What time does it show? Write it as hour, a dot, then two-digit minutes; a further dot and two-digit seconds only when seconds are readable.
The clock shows 2.33.39
